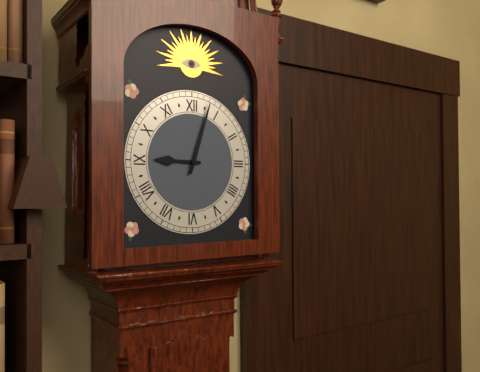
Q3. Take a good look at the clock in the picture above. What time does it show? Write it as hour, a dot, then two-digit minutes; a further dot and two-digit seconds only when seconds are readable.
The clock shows 9.03
